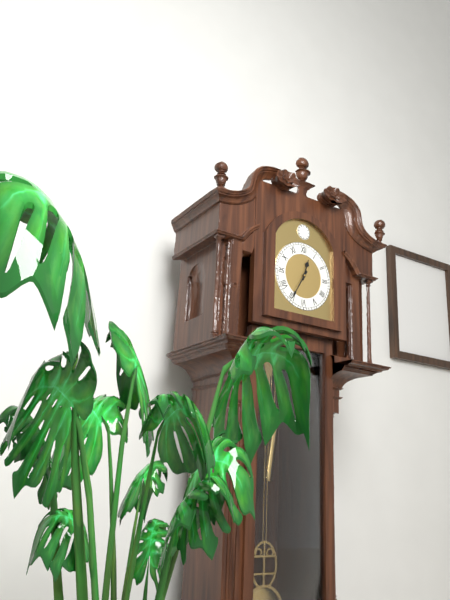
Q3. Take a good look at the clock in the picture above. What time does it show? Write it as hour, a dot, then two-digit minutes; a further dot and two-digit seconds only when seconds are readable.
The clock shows 12.35
